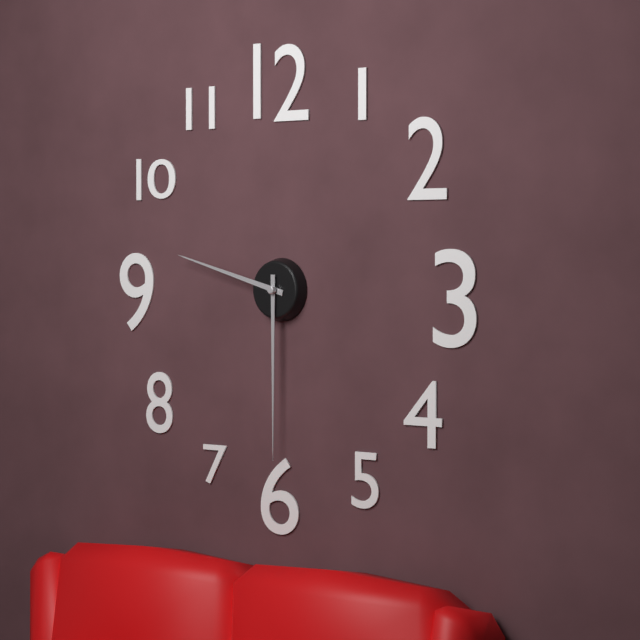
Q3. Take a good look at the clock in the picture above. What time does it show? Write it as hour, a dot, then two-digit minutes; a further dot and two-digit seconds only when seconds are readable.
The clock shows 9.30
